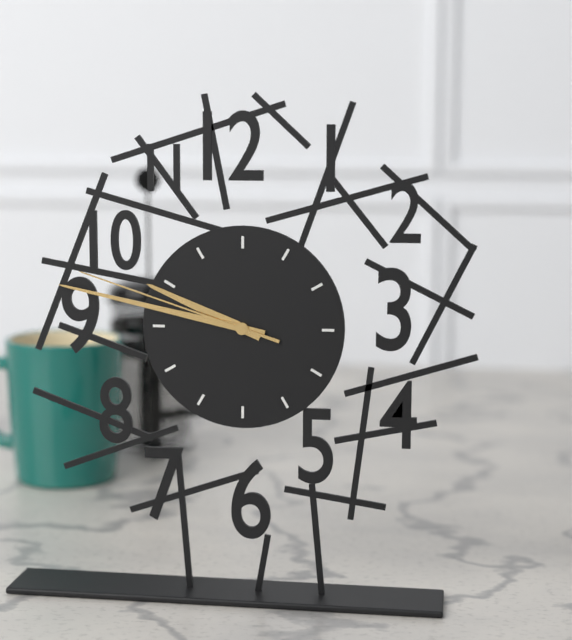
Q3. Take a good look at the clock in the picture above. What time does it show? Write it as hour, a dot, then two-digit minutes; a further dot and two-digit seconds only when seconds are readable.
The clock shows 9.47.48
